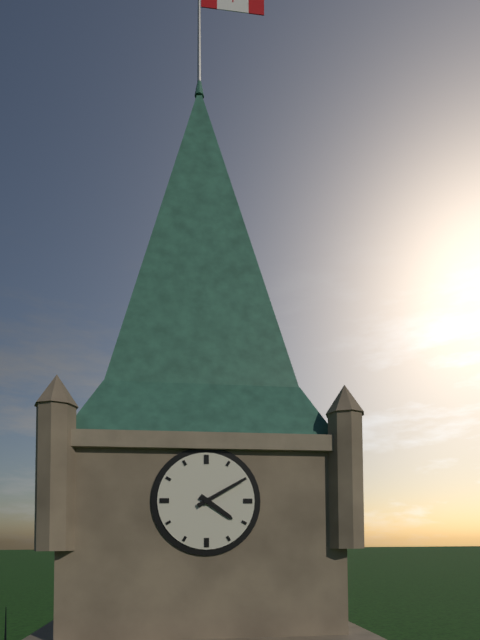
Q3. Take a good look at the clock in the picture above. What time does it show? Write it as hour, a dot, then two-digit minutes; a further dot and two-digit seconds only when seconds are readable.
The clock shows 4.10
